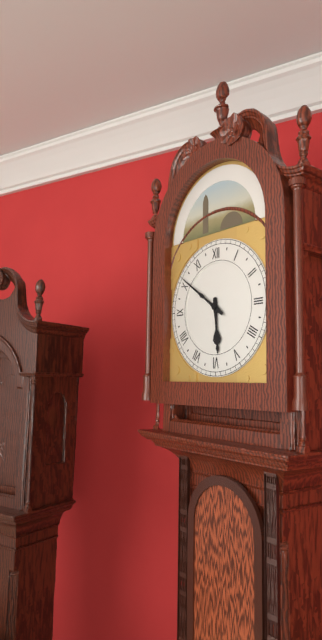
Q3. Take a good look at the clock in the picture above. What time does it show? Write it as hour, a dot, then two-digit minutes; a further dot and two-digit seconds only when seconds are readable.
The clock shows 5.51
